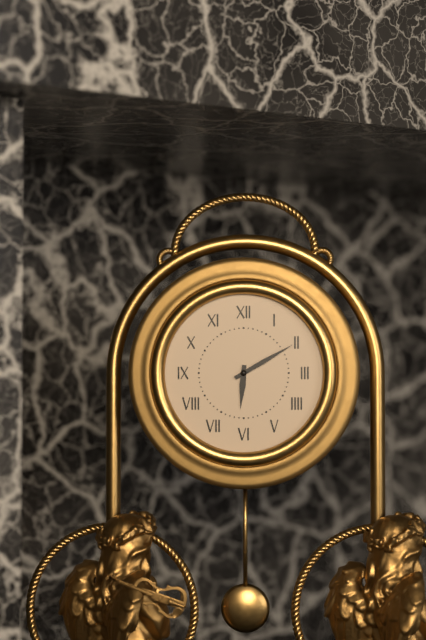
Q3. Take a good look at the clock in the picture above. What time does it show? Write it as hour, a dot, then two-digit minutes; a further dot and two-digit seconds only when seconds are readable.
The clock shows 6.10
